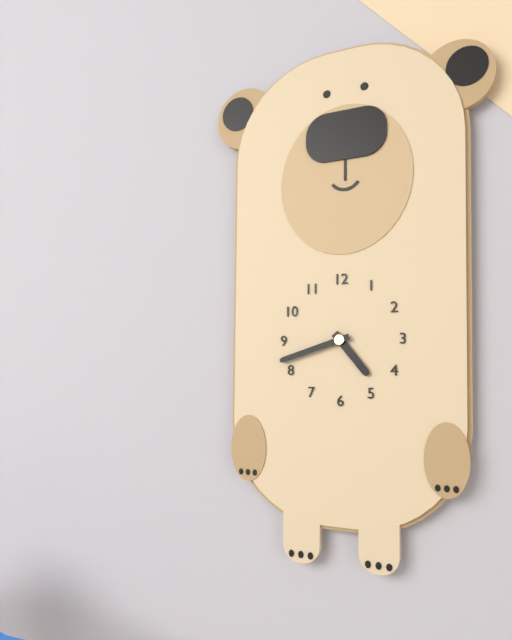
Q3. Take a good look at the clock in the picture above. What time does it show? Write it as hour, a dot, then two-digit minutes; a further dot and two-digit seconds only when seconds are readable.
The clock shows 4.42
